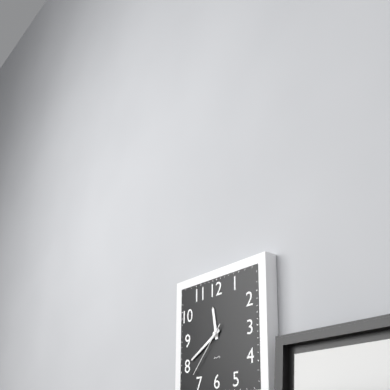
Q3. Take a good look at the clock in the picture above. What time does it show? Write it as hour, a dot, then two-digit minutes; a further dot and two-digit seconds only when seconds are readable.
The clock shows 11.40.37
